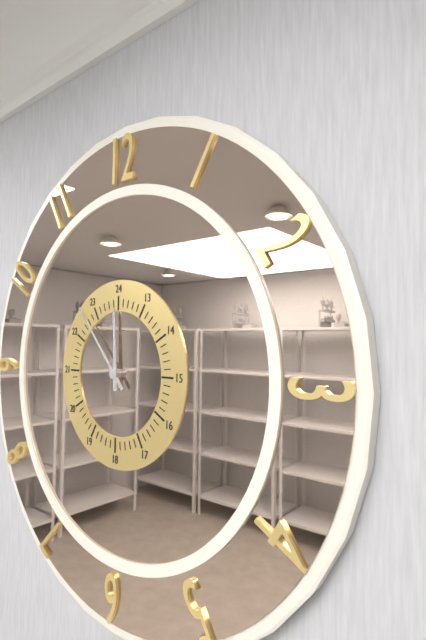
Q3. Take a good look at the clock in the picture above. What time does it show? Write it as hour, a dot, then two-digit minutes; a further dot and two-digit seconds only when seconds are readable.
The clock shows 11.53
